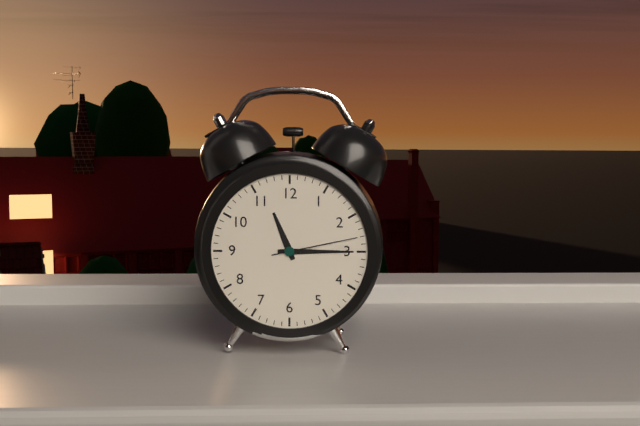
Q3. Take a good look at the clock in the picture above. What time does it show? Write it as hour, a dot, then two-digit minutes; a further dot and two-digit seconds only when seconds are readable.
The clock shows 11.15.13
